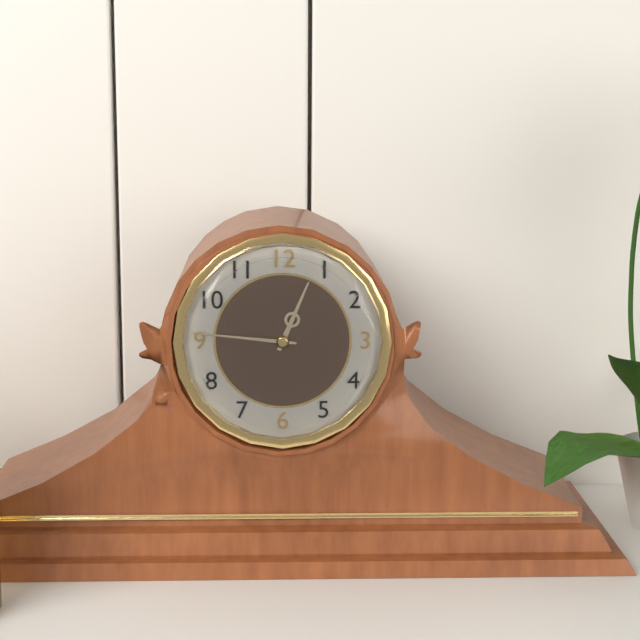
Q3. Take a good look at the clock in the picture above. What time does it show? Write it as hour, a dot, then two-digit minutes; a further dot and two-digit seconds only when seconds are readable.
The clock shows 12.46
